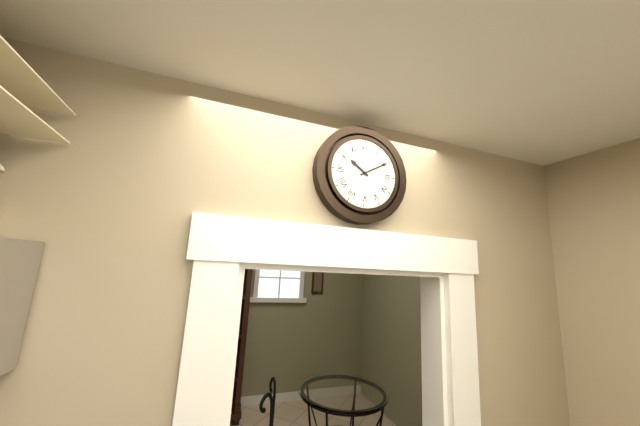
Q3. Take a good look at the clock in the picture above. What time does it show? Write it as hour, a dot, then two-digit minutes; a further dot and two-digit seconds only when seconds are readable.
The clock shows 10.10
